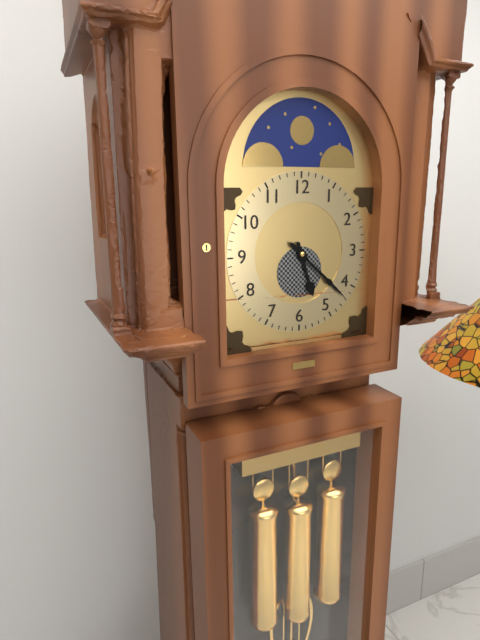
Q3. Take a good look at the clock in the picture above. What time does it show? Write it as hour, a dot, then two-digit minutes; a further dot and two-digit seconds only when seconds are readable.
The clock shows 5.22
